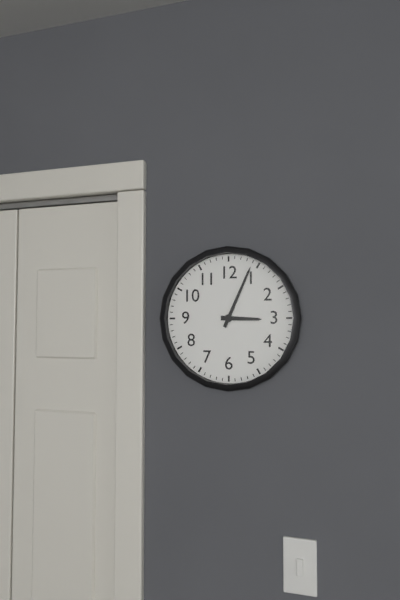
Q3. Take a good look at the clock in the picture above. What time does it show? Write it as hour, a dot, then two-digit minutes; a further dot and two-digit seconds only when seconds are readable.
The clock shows 3.04
